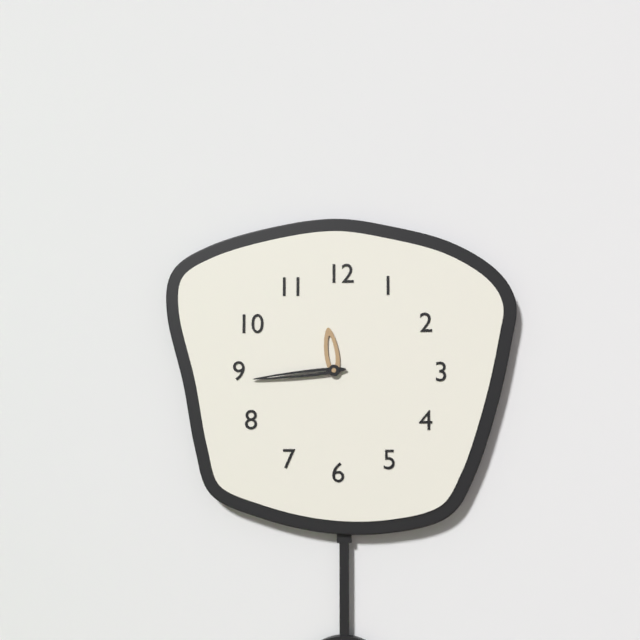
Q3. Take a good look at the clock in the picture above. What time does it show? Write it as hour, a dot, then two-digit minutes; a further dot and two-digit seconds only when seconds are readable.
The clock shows 11.44
